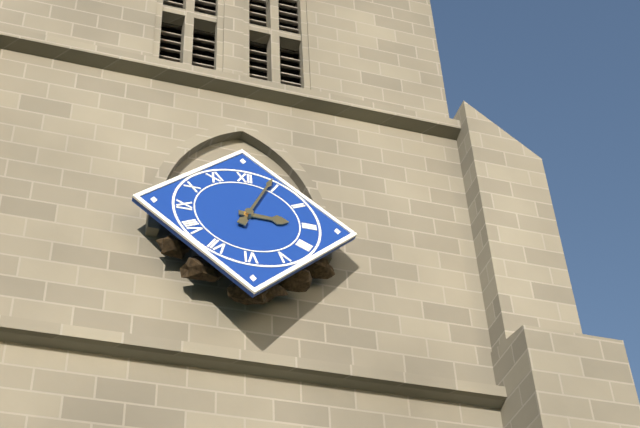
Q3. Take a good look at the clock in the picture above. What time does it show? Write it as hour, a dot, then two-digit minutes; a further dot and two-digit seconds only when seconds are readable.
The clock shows 3.04
